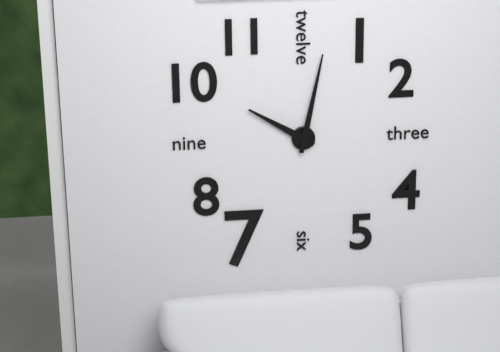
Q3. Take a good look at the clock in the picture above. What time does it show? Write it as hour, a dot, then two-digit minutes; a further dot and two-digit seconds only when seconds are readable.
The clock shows 10.02
